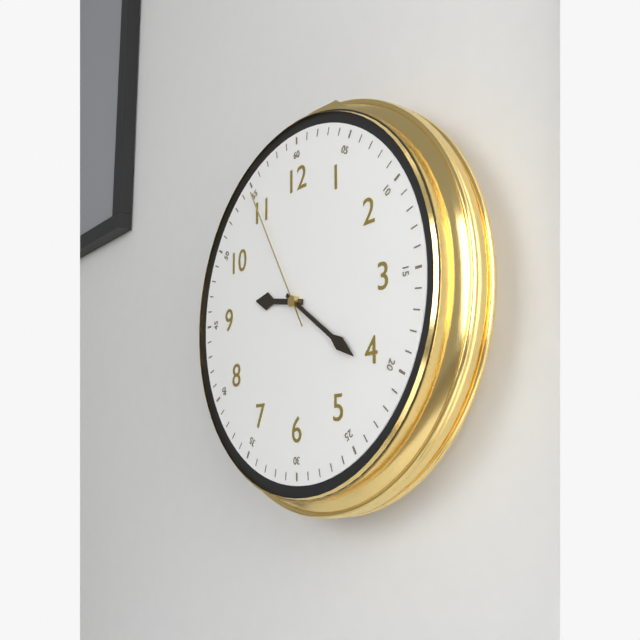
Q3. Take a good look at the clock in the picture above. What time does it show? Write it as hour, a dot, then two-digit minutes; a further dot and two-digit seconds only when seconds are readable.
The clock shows 9.21.55
